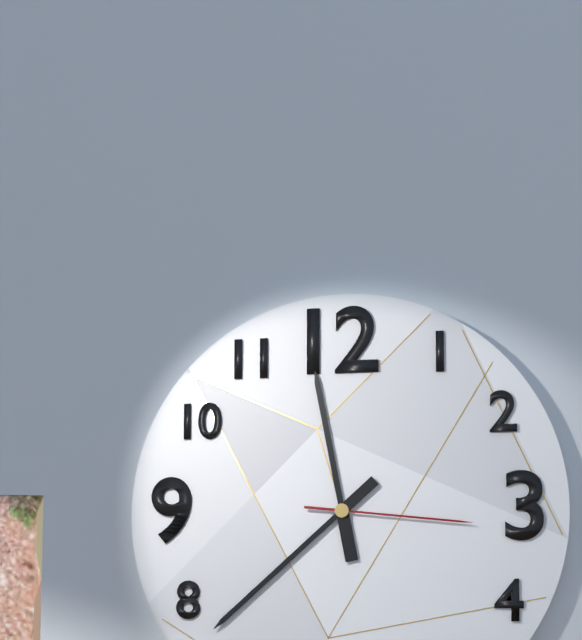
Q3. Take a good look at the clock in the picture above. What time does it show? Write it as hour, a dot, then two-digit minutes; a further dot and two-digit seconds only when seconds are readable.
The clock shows 11.38.16
